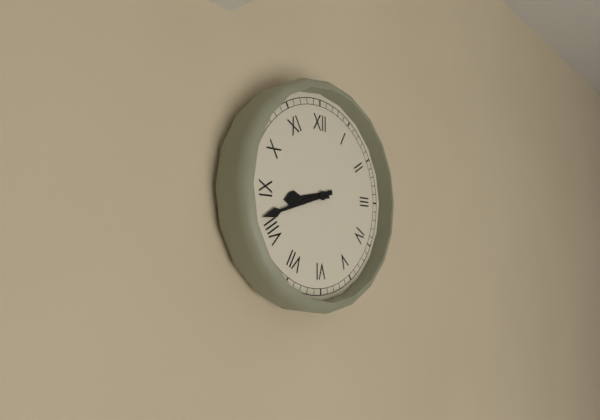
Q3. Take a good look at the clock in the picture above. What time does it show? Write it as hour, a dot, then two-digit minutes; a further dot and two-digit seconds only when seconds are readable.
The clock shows 8.42
